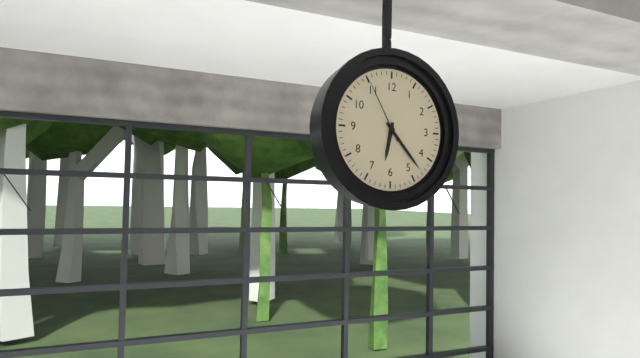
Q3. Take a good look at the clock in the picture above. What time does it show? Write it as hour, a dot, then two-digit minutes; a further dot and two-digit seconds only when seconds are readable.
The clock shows 6.23.55
